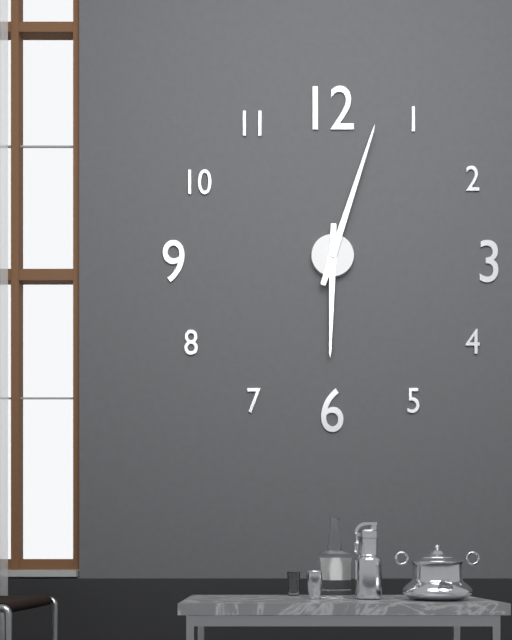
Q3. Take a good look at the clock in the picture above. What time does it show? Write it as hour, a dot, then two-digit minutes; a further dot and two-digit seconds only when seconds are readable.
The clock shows 6.03
